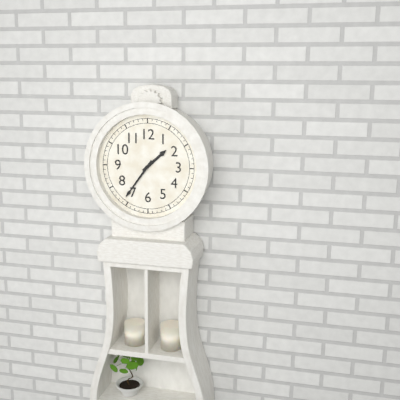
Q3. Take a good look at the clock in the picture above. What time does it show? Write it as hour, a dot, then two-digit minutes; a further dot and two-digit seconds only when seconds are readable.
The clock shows 1.36
